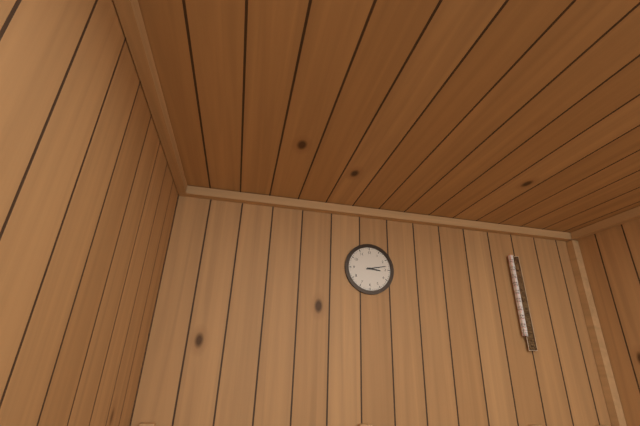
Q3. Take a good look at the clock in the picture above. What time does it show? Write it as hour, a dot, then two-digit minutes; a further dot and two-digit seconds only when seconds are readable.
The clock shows 3.13
